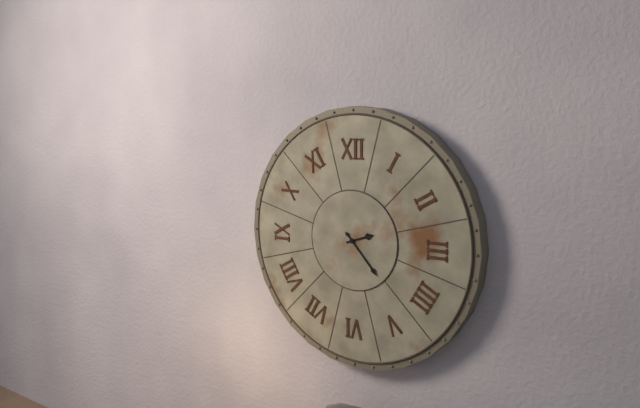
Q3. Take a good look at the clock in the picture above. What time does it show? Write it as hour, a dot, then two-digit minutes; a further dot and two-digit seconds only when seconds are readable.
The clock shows 2.23
